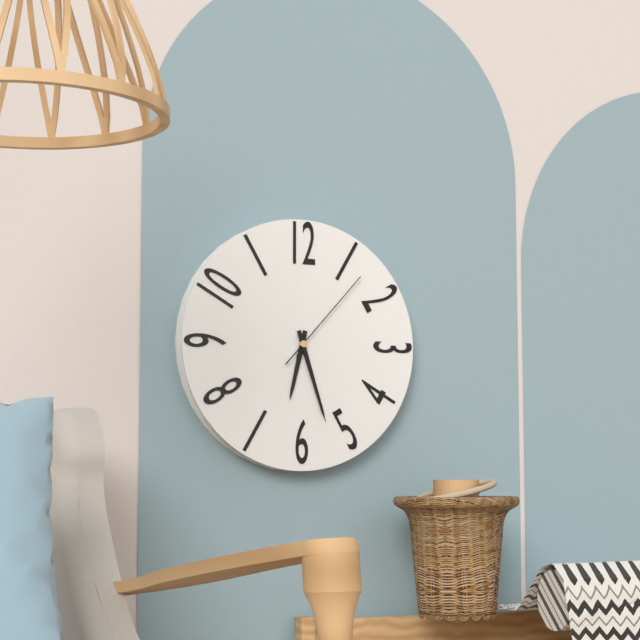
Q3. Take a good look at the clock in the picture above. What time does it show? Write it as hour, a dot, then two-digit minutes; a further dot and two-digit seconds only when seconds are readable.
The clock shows 6.27.07
